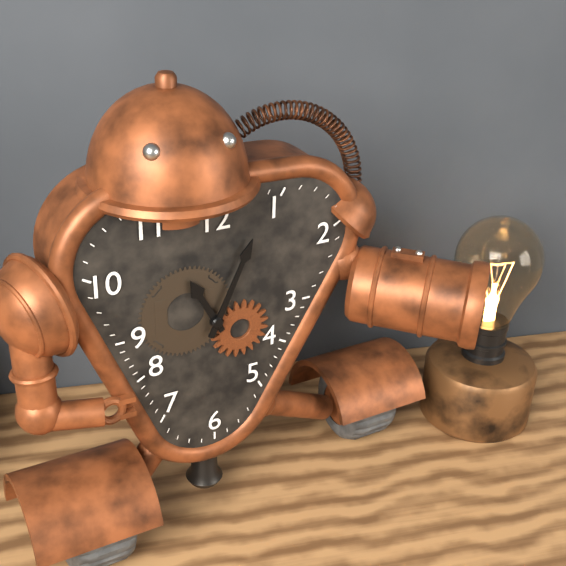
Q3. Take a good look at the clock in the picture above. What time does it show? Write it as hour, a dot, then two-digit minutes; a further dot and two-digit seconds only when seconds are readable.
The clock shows 11.04
